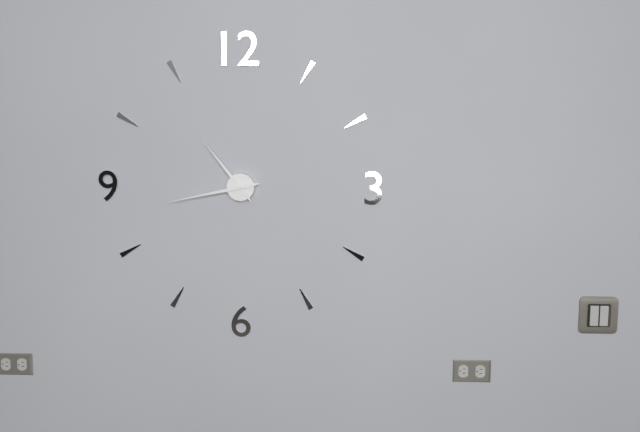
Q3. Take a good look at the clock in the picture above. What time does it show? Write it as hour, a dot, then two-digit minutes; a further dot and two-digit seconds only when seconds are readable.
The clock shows 10.43
